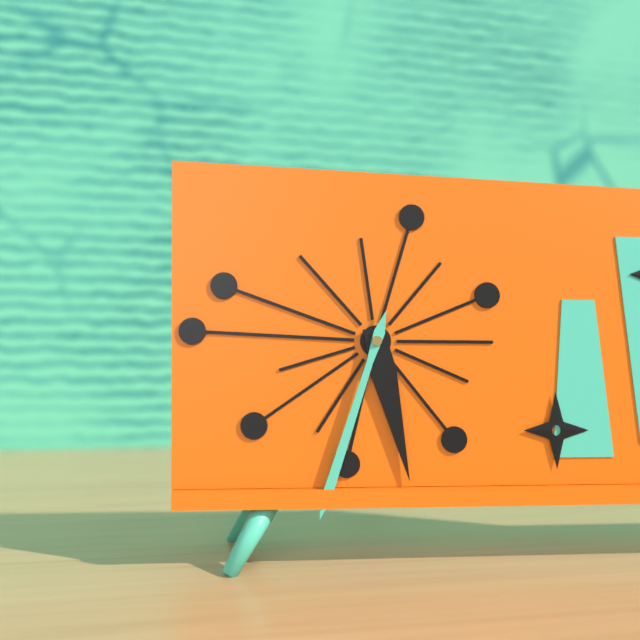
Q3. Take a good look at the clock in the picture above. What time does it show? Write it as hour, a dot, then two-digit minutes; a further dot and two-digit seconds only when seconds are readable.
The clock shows 5.33
